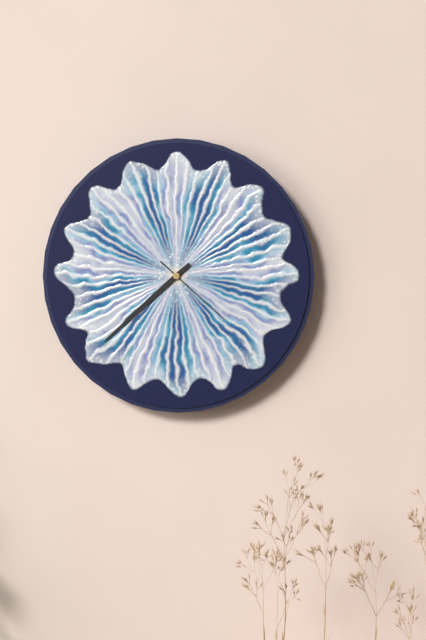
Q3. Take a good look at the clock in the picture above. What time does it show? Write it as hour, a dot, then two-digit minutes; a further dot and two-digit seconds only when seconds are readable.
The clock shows 7.38.22
